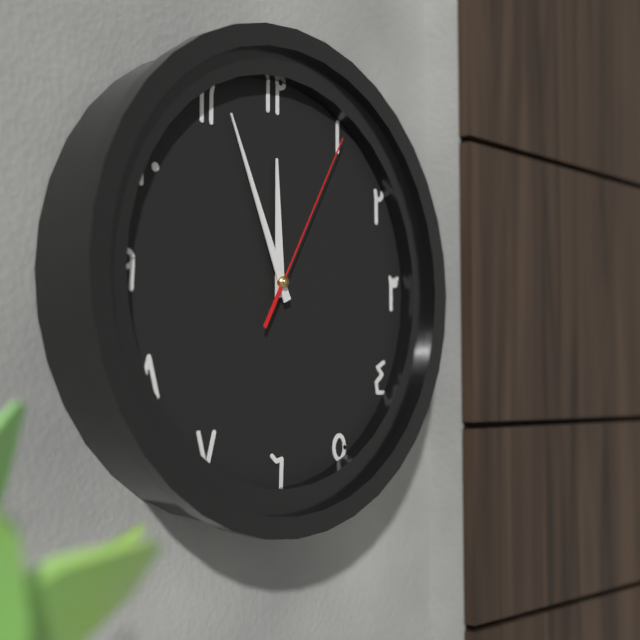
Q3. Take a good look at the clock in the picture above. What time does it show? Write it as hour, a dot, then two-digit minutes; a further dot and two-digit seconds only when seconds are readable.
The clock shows 11.56.05
